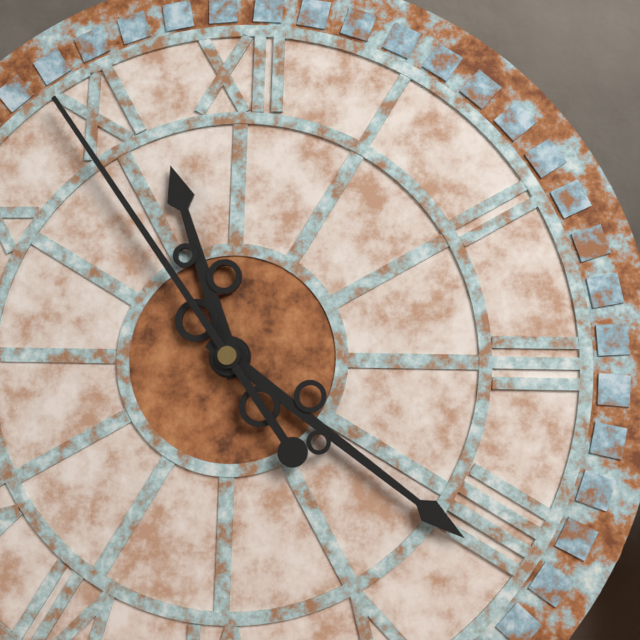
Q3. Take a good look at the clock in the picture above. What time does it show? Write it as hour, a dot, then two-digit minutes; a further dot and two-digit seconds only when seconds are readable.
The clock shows 11.21.54
